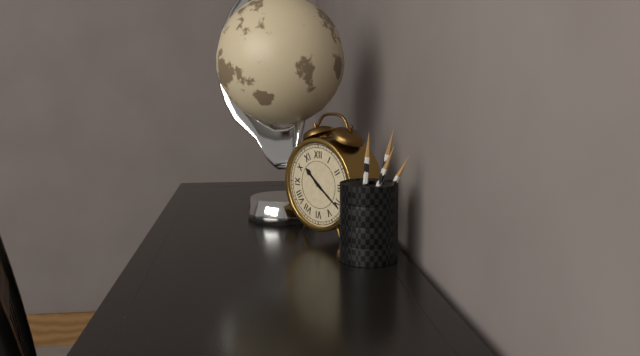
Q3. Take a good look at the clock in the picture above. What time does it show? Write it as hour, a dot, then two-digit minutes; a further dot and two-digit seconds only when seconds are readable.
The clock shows 10.21
